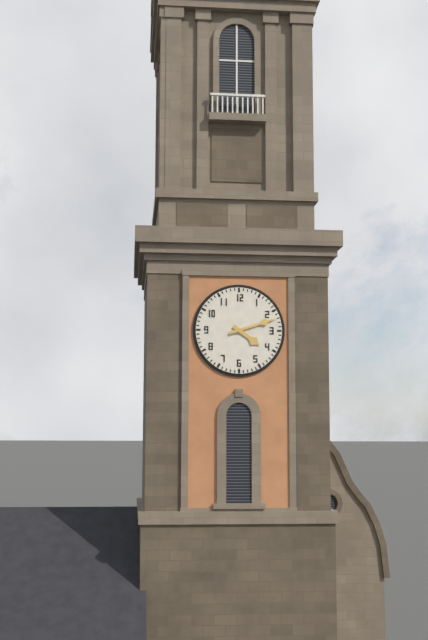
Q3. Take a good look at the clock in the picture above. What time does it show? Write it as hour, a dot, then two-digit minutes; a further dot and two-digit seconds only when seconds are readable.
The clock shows 4.12
